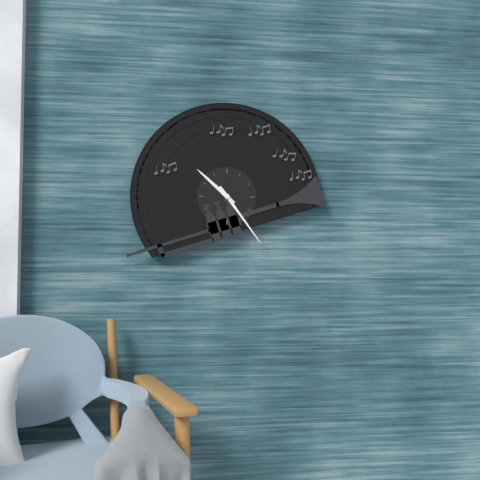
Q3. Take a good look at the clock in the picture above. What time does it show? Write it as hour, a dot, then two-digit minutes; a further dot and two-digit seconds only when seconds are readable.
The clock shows 10.24
